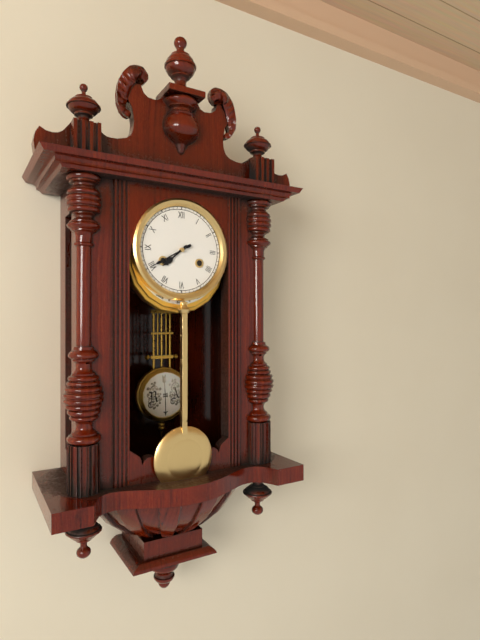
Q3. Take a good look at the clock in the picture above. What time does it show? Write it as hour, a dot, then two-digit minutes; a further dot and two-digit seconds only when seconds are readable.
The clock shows 7.40
